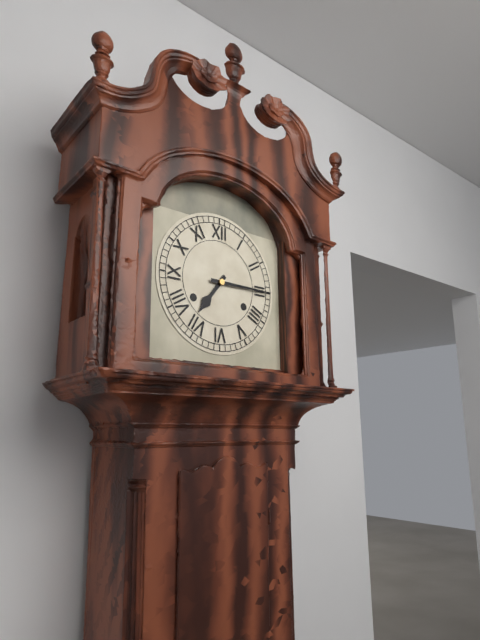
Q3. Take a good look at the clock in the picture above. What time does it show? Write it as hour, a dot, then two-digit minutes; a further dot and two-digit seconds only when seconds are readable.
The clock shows 7.15
